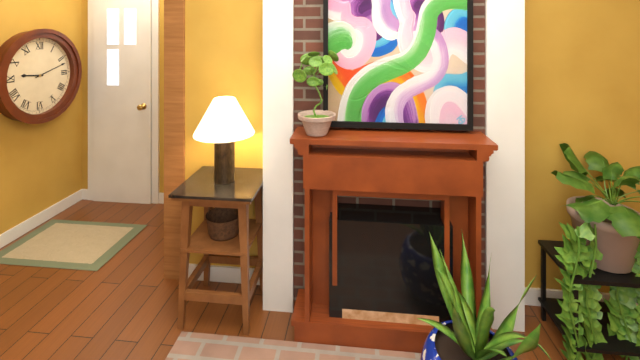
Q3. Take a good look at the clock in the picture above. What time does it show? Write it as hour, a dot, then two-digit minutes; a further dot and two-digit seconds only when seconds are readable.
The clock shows 9.12
